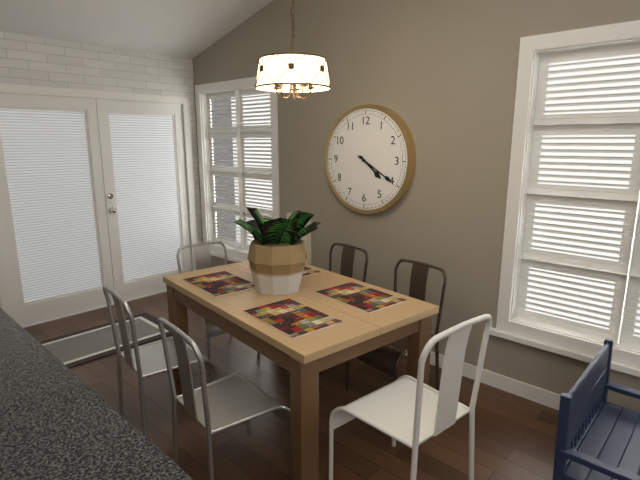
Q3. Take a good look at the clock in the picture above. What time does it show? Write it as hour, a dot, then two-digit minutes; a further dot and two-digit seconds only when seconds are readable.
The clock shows 4.20
